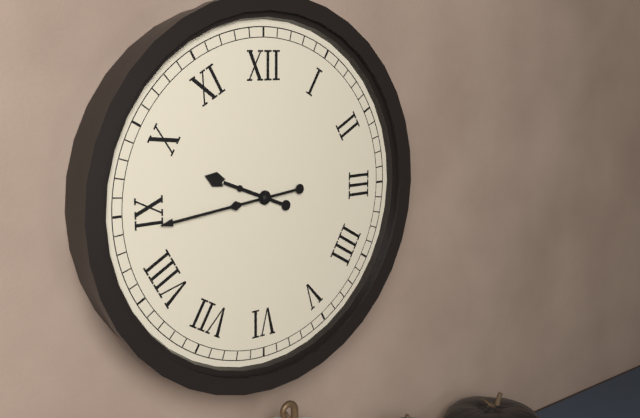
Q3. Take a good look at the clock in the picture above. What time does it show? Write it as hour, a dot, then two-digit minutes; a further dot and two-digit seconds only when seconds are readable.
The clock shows 9.44
